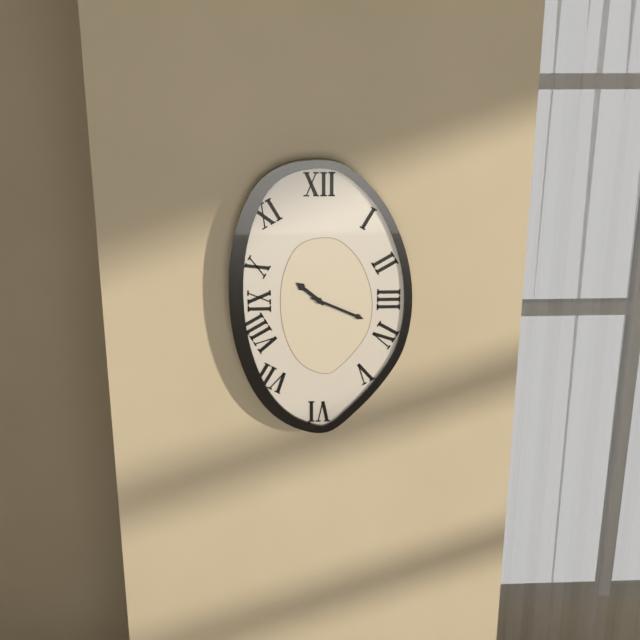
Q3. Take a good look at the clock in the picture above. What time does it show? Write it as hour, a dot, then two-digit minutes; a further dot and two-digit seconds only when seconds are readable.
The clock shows 10.19
